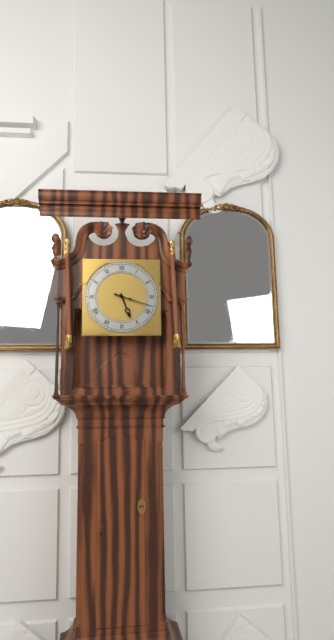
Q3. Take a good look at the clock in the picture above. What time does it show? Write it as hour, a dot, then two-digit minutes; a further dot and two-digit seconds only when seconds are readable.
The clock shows 5.18
